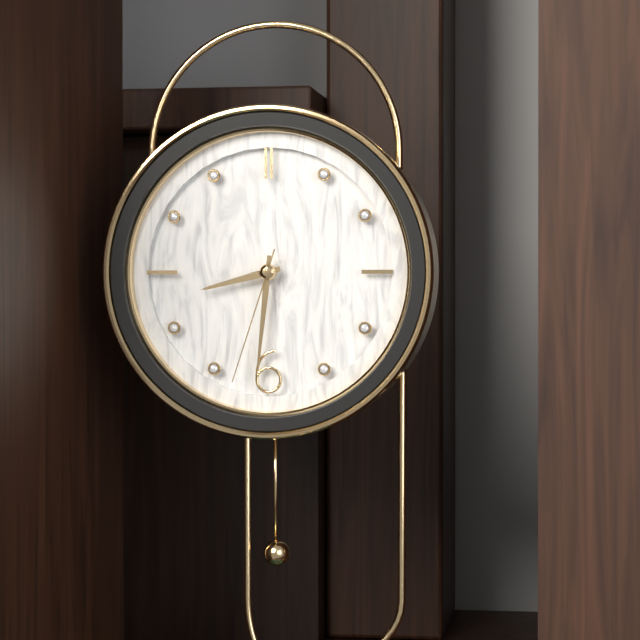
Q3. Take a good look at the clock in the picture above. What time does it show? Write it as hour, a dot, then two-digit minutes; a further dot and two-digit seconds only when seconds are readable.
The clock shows 8.31.33
